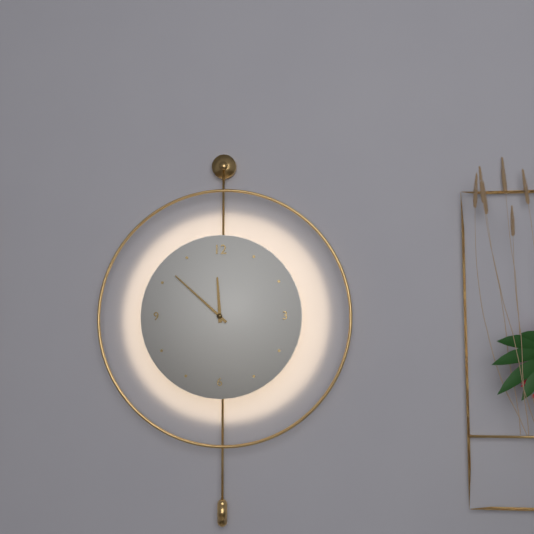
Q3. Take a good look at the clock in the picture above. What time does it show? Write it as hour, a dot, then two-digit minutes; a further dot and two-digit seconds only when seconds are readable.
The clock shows 11.52
